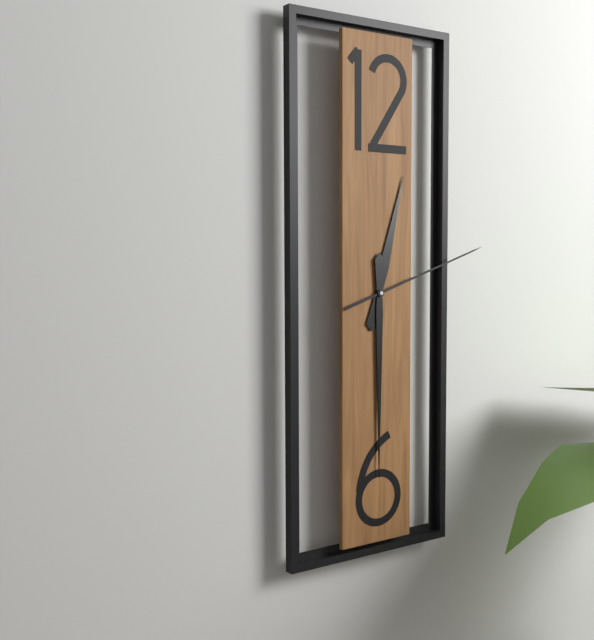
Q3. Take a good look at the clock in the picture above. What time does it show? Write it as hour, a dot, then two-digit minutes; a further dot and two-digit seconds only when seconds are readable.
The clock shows 12.30.12
